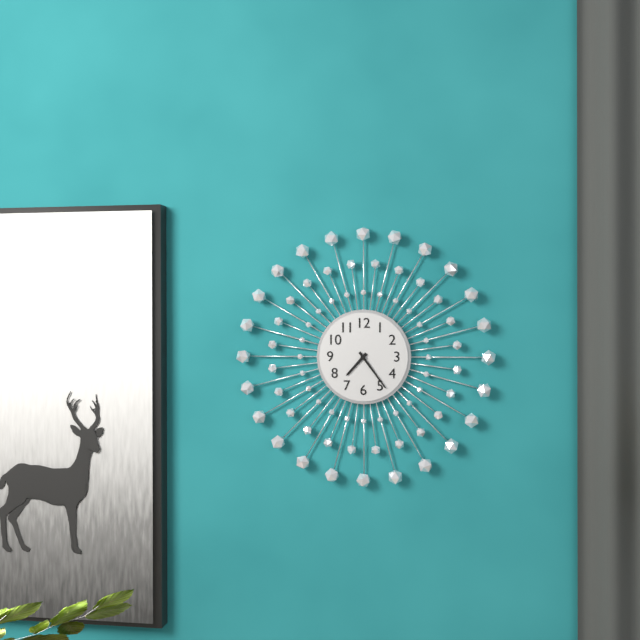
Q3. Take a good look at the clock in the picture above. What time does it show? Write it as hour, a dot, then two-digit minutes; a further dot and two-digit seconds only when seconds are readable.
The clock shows 7.24
